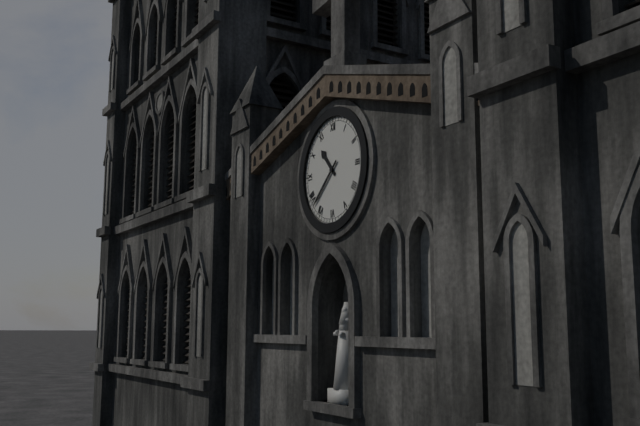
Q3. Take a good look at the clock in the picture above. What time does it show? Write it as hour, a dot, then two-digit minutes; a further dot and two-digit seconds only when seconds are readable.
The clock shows 10.38
